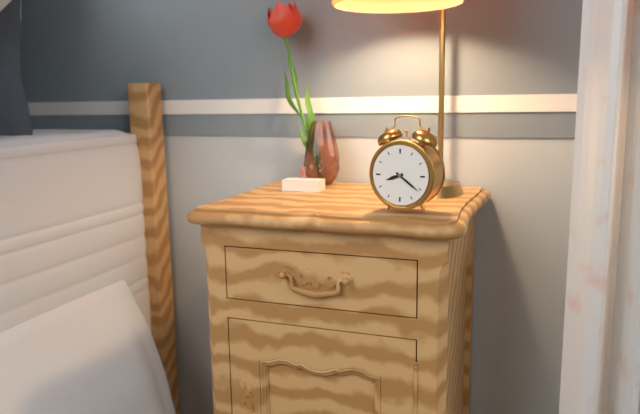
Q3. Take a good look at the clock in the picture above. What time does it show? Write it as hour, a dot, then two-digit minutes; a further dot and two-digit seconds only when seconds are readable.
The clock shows 8.21
